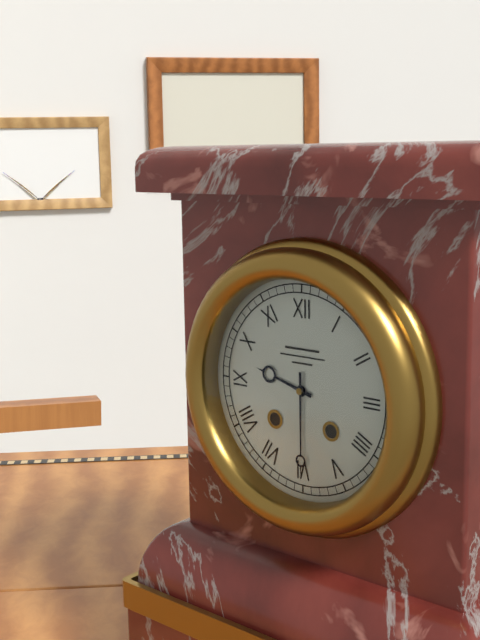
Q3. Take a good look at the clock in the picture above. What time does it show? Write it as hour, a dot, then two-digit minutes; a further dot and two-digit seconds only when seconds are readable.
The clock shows 9.30
